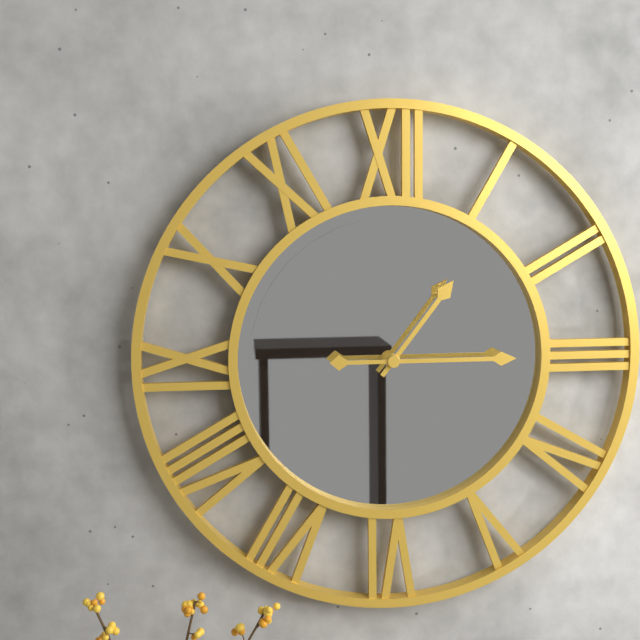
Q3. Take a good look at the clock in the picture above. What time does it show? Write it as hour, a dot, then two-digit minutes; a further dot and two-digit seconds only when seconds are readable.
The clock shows 1.15
